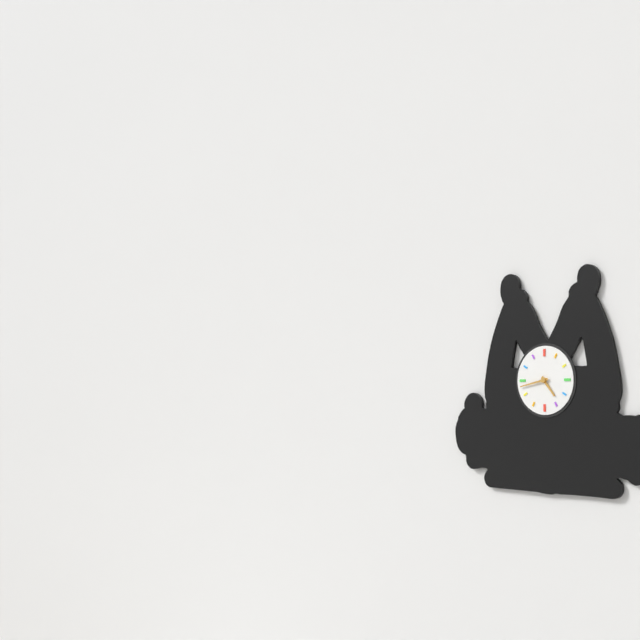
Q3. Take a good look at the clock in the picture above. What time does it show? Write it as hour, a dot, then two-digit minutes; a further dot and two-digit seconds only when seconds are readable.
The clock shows 4.43
